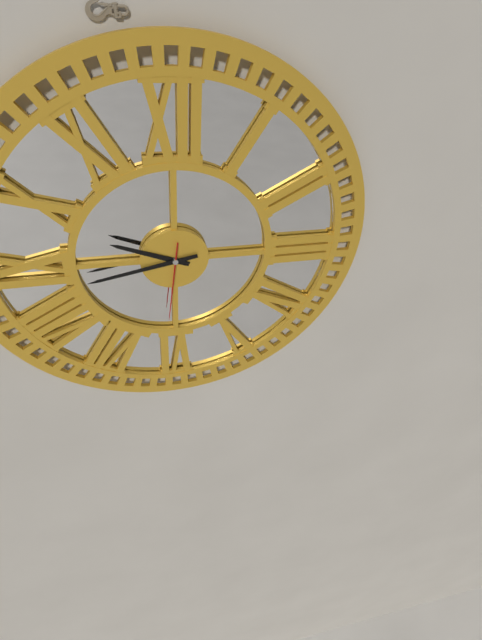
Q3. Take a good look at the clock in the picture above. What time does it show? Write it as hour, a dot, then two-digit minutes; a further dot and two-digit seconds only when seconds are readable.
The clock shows 9.43.31
